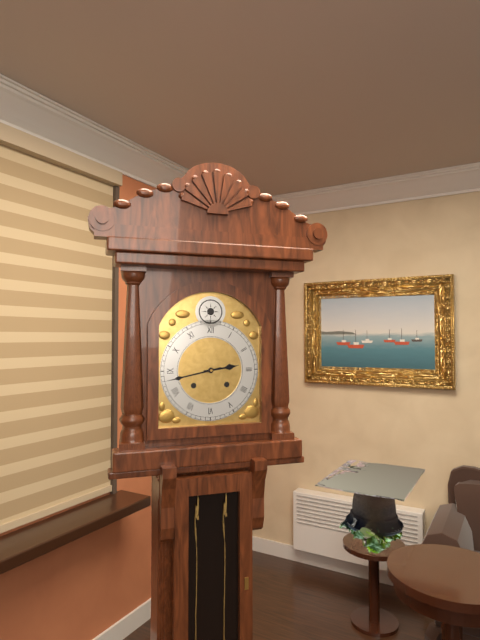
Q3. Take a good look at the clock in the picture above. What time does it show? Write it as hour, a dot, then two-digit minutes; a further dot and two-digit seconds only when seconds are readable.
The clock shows 2.43
